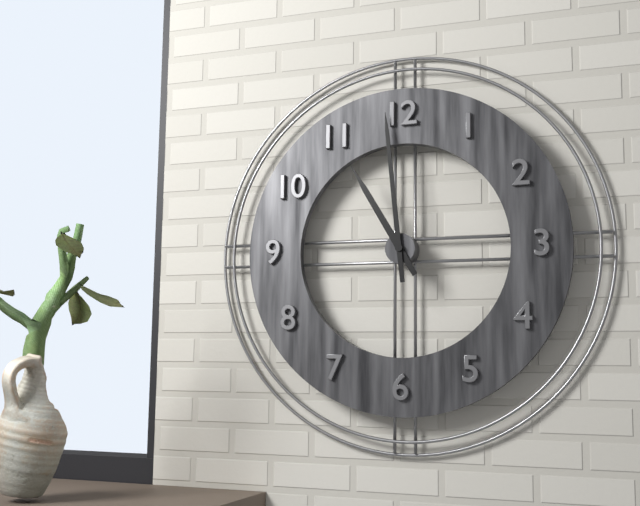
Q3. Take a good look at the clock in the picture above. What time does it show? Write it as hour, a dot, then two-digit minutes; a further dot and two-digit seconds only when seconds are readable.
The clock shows 10.59
